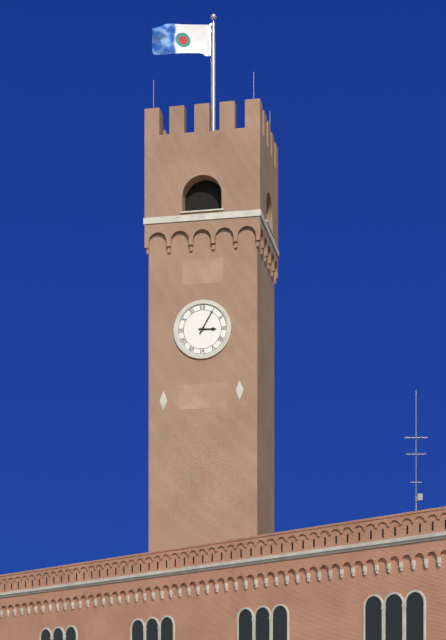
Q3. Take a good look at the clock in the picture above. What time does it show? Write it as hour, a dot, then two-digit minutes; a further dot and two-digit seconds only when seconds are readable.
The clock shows 3.05
